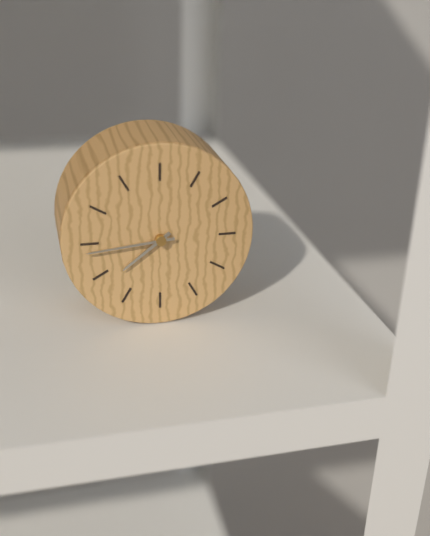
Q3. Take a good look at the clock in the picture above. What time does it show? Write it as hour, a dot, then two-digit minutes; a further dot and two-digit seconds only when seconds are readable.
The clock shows 7.44
